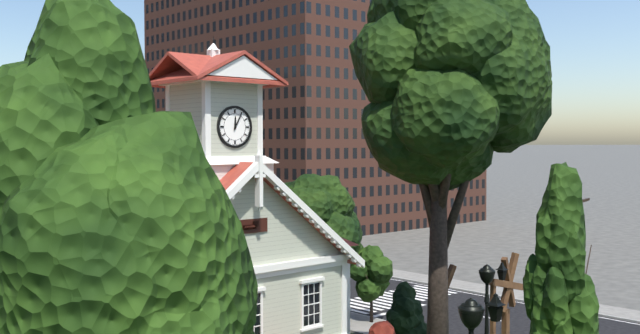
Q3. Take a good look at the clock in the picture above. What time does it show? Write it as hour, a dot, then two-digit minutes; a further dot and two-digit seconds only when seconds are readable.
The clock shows 12.05
